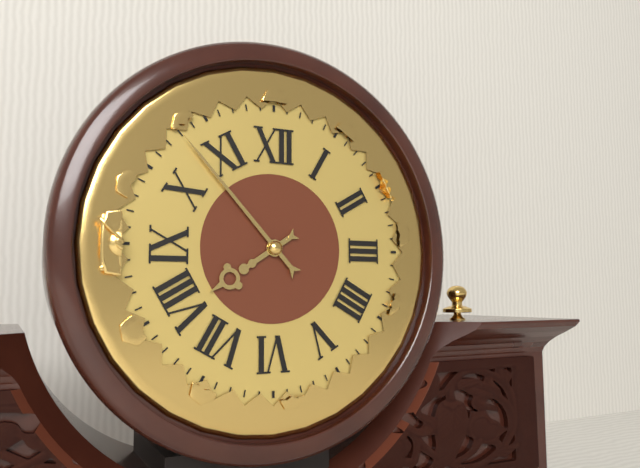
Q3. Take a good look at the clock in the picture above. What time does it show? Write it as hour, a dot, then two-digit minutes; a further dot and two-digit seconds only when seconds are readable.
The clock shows 7.53
